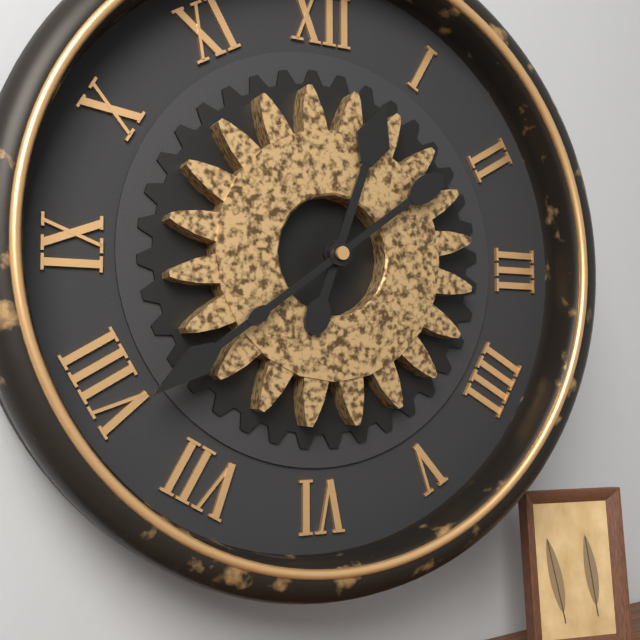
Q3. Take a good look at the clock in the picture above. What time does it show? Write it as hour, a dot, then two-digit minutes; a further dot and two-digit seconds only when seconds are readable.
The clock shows 12.39
